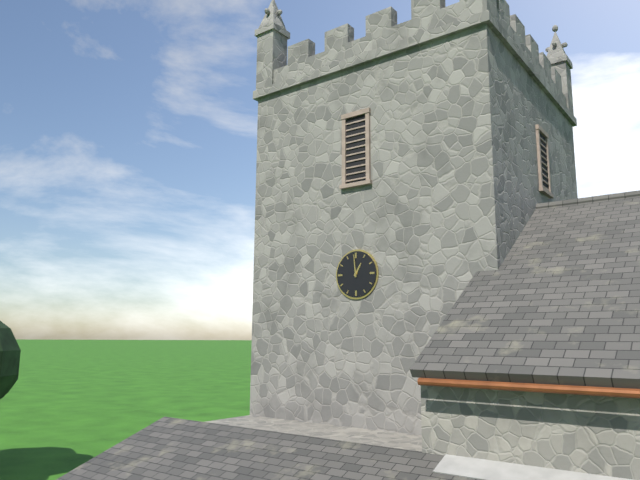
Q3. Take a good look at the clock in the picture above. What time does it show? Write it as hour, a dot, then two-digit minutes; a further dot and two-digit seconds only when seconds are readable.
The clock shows 12.59
